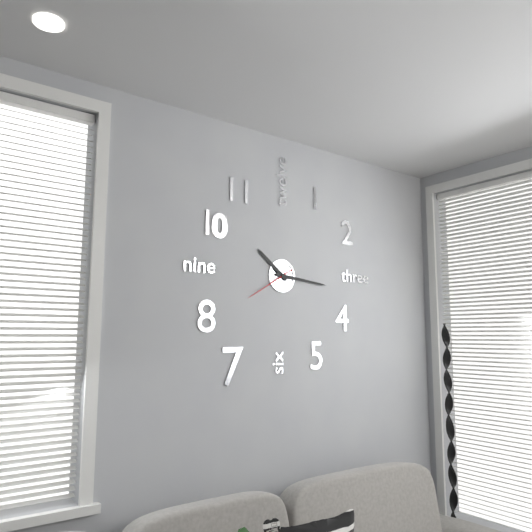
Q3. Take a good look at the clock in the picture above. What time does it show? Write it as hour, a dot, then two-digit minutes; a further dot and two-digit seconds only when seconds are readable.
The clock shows 10.16.40
